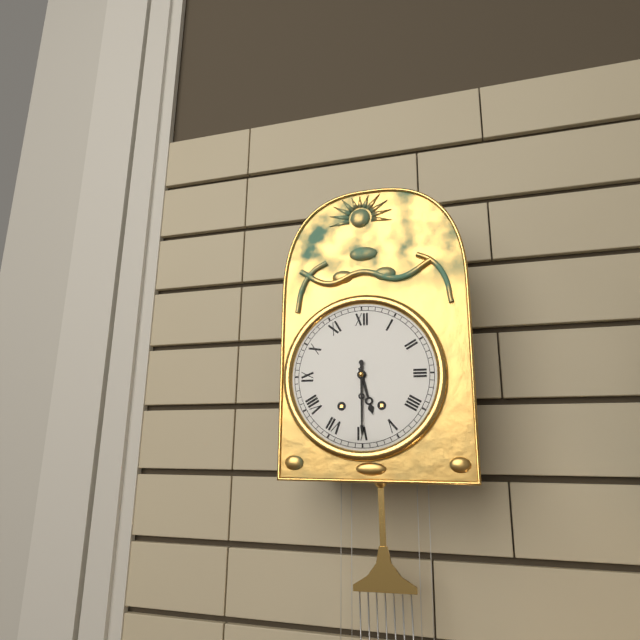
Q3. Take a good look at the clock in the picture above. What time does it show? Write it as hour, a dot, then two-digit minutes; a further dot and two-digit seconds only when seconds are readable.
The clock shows 5.30
